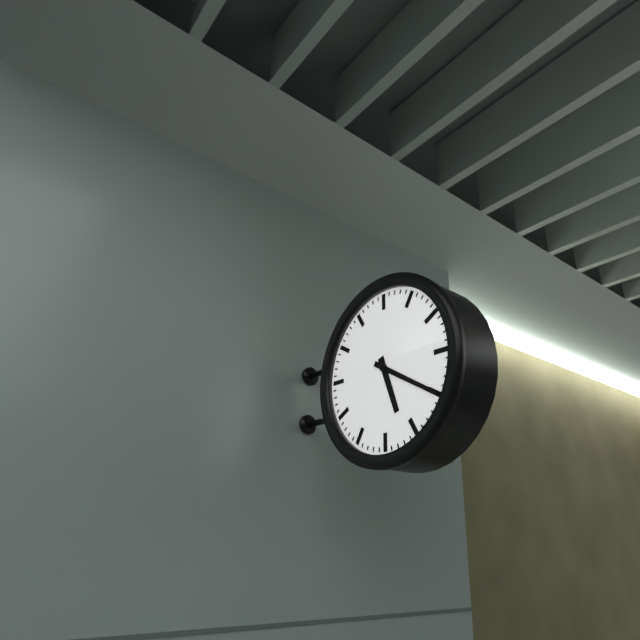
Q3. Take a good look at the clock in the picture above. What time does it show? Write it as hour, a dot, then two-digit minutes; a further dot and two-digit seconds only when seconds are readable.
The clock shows 5.20
